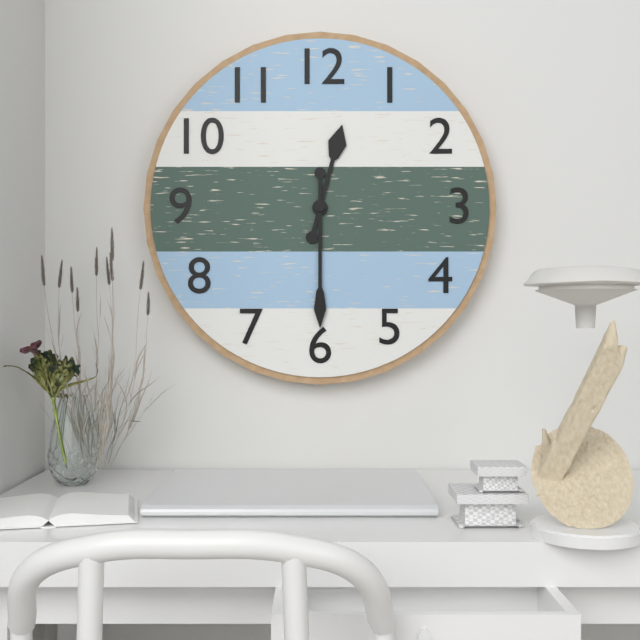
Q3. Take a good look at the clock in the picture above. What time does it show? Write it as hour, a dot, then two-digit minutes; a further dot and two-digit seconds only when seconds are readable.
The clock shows 12.30
